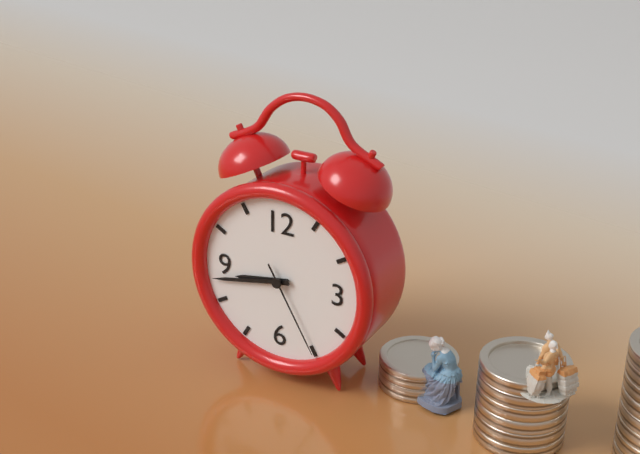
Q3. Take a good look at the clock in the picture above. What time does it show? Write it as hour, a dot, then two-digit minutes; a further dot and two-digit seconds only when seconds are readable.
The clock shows 8.43.25
